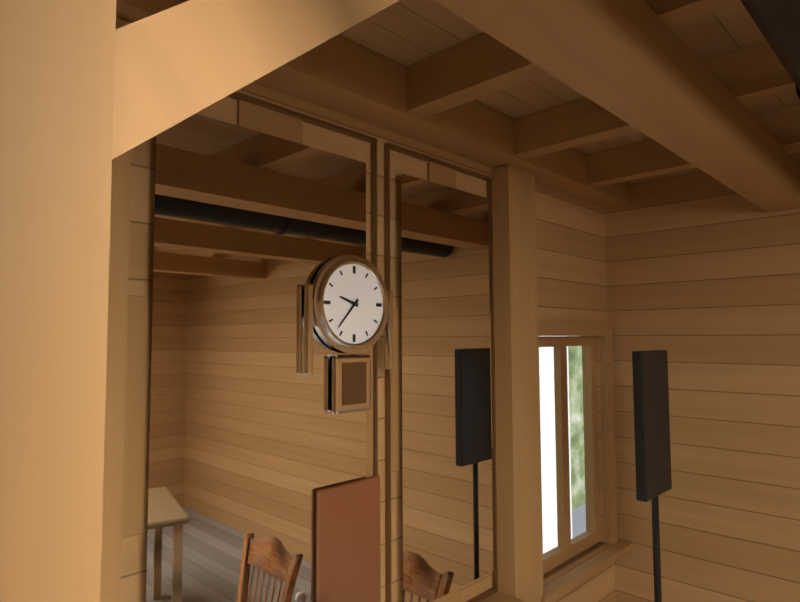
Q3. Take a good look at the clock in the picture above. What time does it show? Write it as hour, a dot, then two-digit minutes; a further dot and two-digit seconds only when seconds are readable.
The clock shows 9.37
